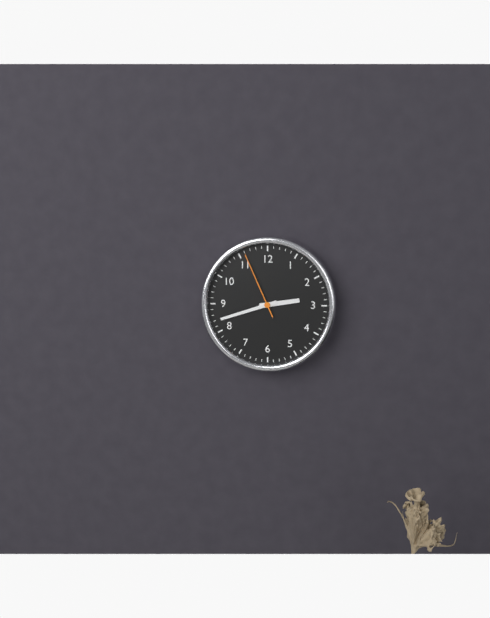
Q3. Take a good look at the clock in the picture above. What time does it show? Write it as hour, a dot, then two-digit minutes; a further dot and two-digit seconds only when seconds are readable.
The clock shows 2.42.56
